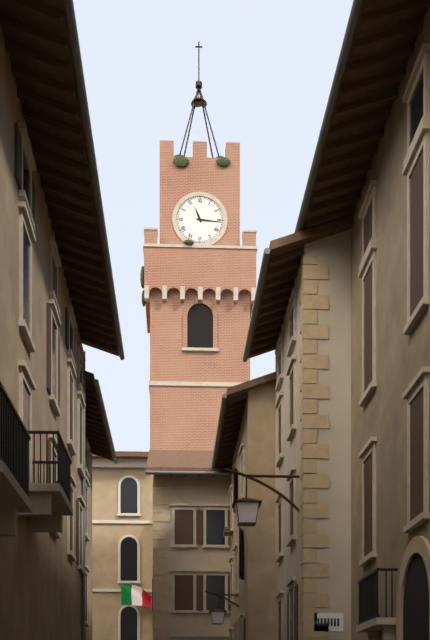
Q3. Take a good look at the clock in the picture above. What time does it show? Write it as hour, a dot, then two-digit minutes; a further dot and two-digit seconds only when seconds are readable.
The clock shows 11.16
